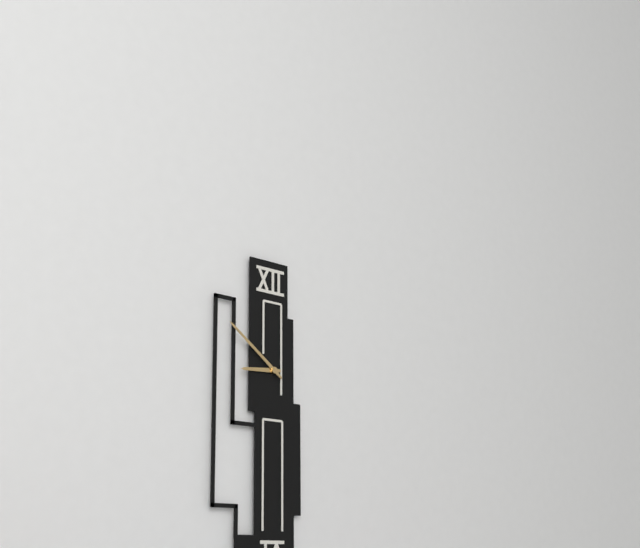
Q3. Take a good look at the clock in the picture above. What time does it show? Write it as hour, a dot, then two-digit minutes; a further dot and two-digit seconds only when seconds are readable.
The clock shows 8.51
